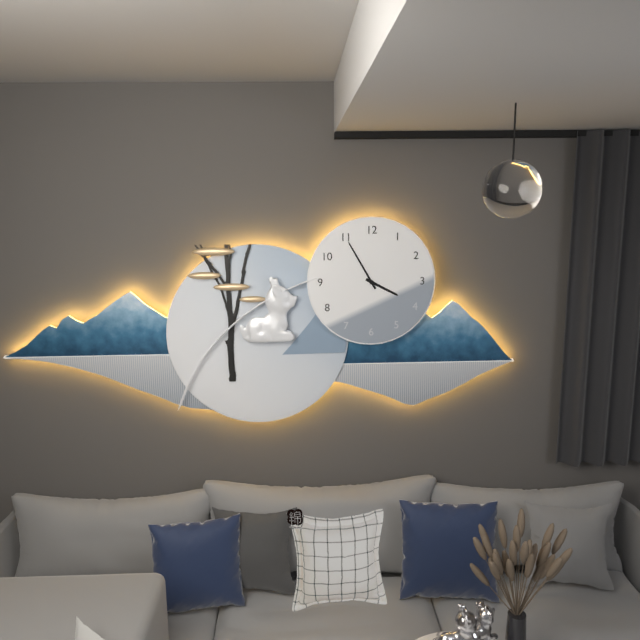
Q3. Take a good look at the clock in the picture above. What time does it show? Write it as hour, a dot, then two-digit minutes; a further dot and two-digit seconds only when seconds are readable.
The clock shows 3.55
